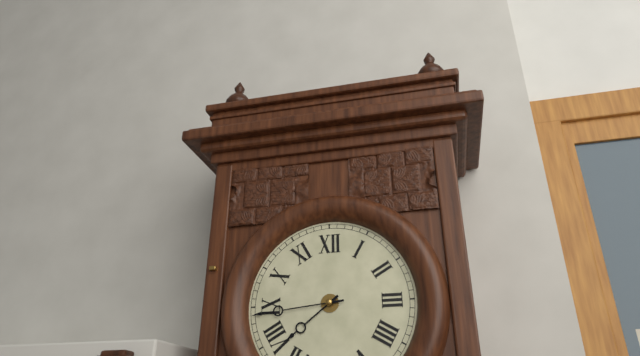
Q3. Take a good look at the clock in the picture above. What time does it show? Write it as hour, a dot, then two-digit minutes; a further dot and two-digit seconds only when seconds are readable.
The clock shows 7.44
